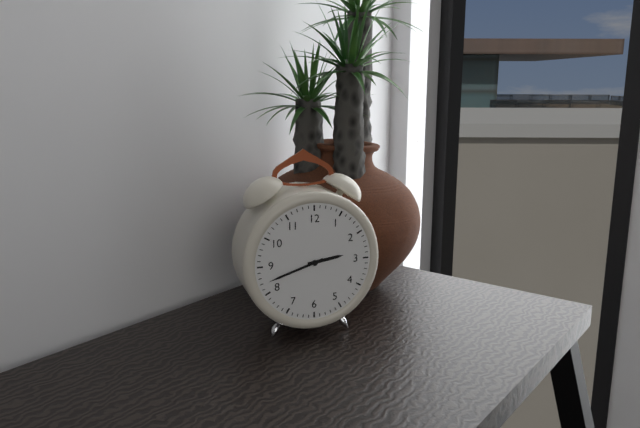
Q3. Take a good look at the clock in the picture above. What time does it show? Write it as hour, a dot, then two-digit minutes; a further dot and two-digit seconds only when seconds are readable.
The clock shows 2.42
